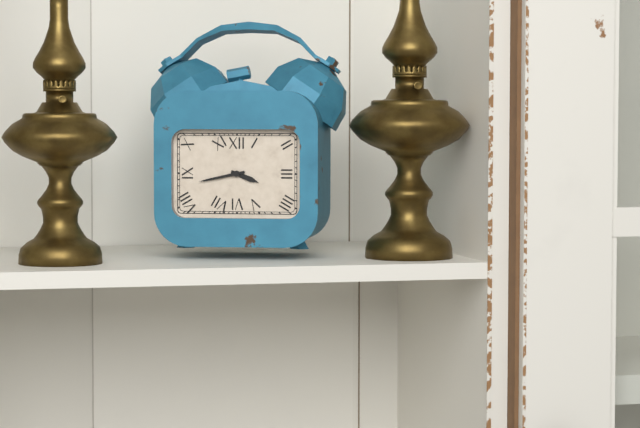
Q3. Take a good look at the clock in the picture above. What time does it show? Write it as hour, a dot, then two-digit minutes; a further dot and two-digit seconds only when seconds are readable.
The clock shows 3.43
